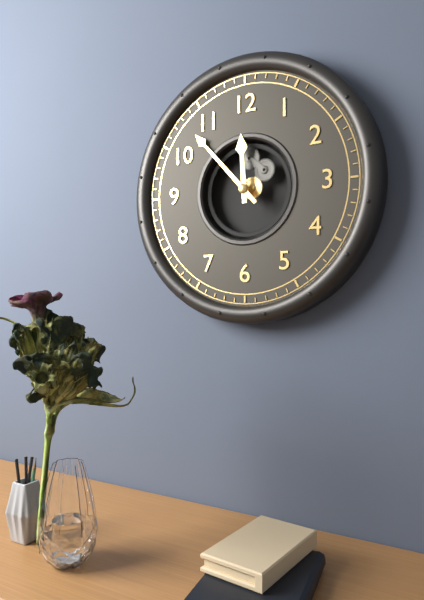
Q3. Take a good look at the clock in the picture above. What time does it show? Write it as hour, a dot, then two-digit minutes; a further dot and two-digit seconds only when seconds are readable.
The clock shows 11.53
